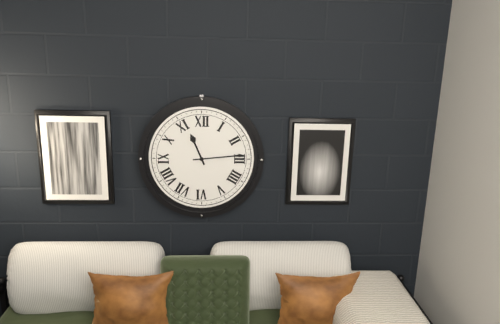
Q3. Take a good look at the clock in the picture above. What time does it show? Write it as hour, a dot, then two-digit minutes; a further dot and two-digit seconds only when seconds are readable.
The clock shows 11.14
